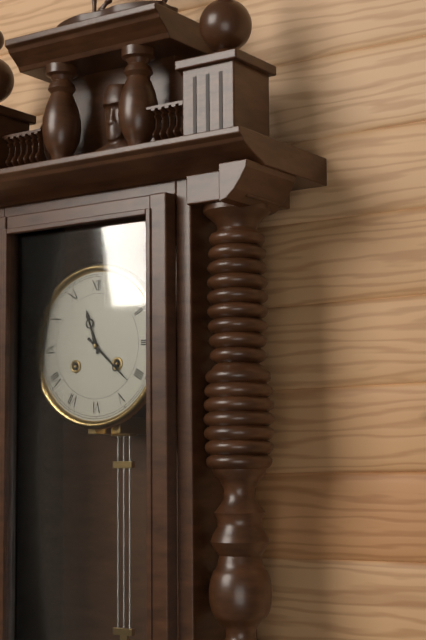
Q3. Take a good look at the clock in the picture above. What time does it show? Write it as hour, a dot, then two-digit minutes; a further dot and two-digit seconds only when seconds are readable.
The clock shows 11.22
